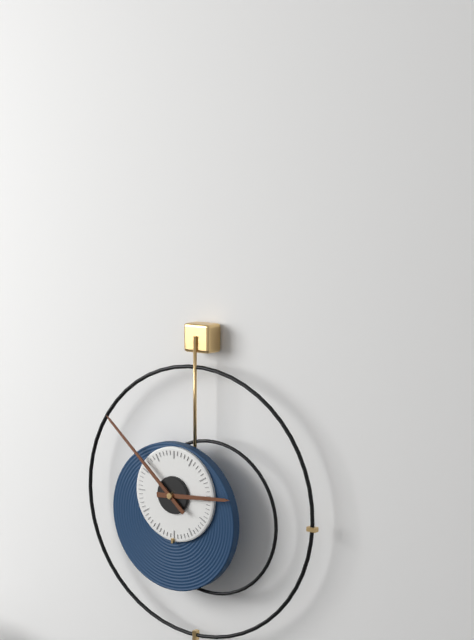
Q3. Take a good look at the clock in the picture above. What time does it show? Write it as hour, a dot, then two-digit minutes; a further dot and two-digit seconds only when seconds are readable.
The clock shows 2.52
